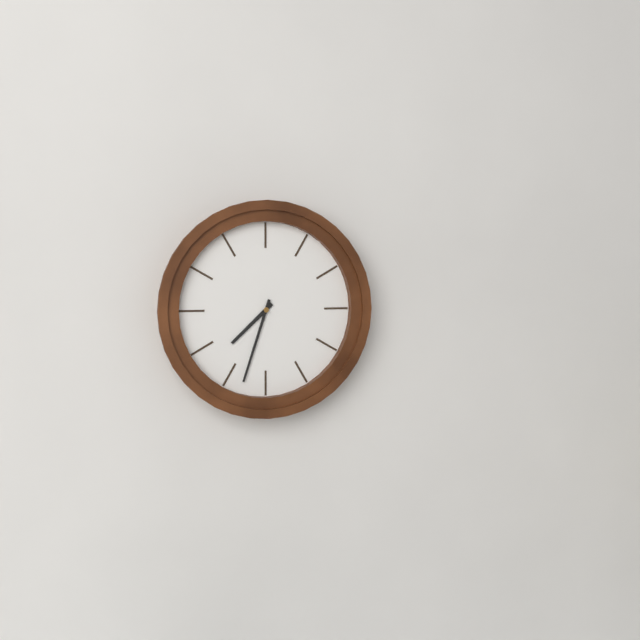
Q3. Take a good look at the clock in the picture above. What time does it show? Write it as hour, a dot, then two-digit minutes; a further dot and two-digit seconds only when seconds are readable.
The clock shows 7.33
